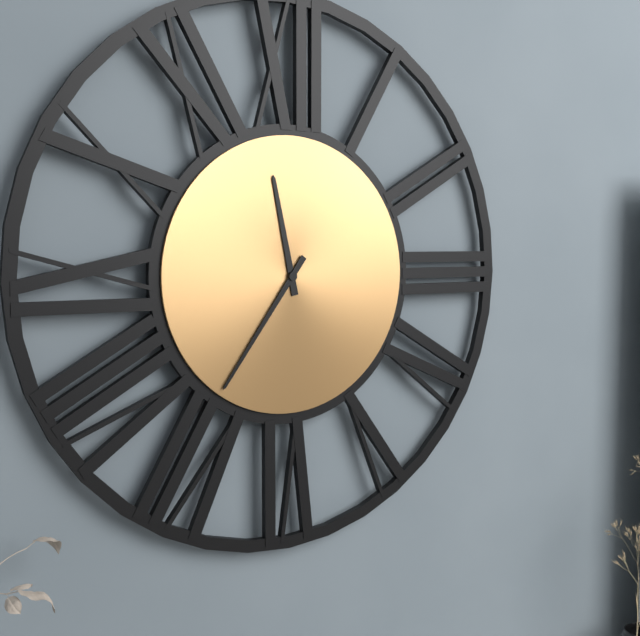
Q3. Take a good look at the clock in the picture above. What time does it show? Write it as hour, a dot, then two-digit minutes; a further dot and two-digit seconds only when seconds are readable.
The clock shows 11.36
